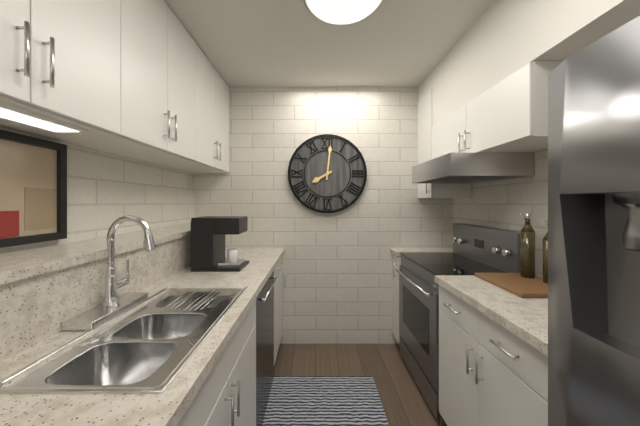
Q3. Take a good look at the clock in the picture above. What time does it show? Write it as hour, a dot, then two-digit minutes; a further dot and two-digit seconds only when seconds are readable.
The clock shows 8.01
